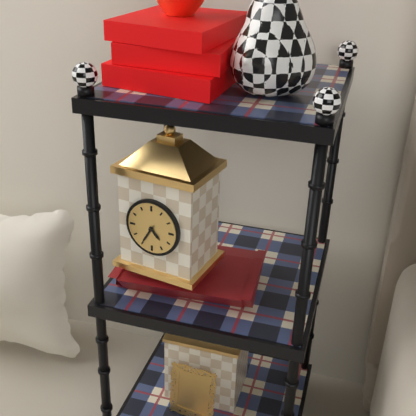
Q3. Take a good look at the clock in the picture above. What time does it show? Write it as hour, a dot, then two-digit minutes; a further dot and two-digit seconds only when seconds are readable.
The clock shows 4.35
